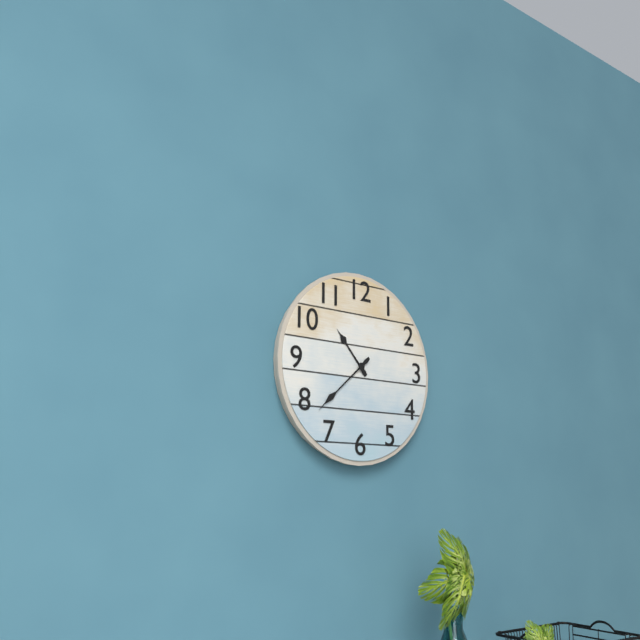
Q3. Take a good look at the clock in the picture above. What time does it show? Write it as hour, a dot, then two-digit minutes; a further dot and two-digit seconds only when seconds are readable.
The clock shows 10.38
